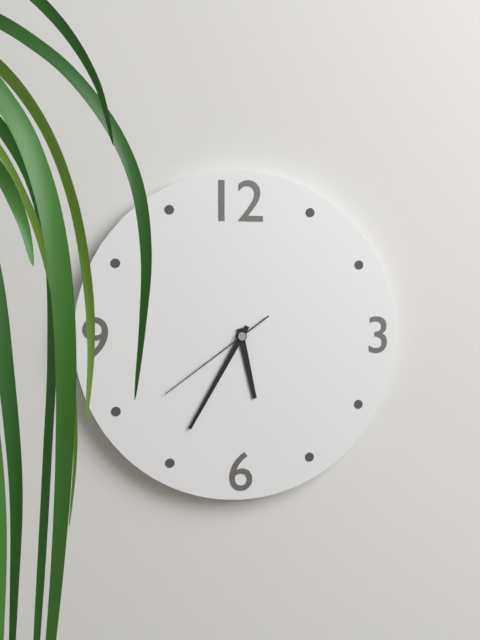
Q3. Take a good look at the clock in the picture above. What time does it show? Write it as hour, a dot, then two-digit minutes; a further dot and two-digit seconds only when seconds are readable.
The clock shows 5.35.39
